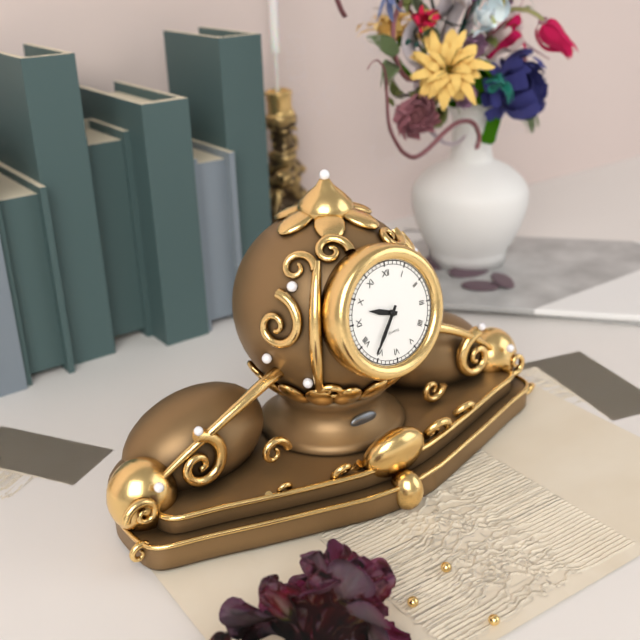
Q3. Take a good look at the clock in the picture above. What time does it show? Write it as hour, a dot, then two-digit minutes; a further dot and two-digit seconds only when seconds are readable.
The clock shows 9.36
